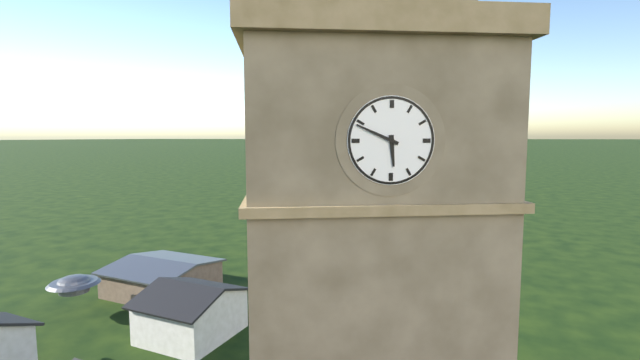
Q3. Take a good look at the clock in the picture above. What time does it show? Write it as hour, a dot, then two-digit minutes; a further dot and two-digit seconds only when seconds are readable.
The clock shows 5.49
